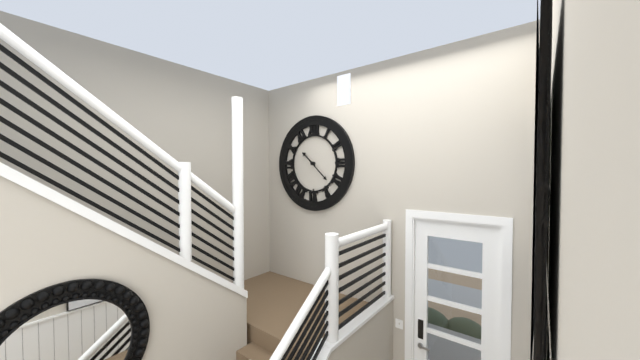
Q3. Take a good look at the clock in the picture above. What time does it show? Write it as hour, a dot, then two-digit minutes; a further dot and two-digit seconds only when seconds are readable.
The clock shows 10.22
